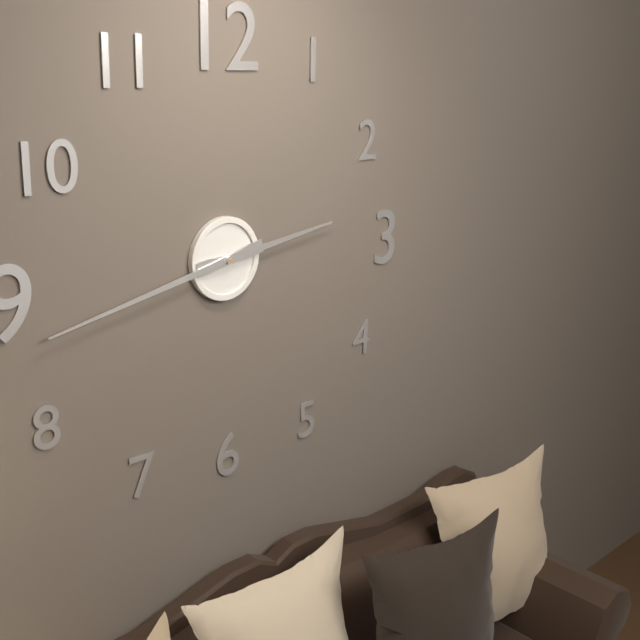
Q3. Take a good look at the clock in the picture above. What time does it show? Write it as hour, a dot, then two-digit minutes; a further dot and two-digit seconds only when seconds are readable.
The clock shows 2.43
